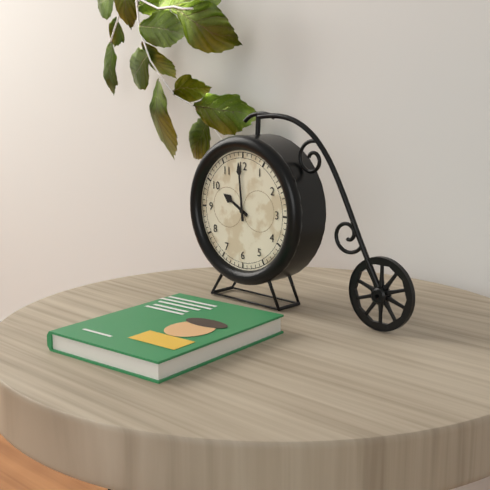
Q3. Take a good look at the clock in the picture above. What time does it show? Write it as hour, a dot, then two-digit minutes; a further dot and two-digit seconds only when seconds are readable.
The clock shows 9.59
